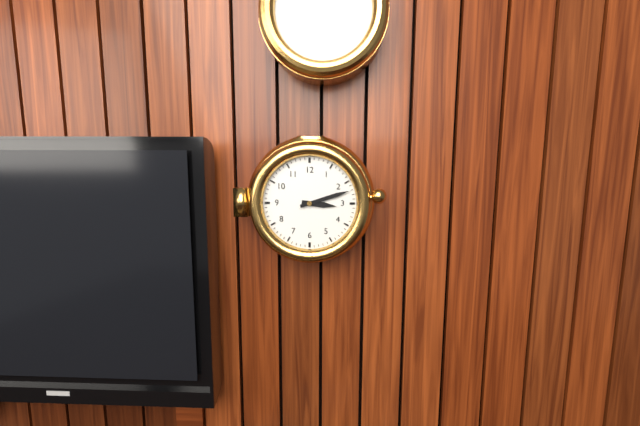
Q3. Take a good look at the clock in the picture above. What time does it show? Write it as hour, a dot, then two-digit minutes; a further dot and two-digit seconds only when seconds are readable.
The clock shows 3.12
